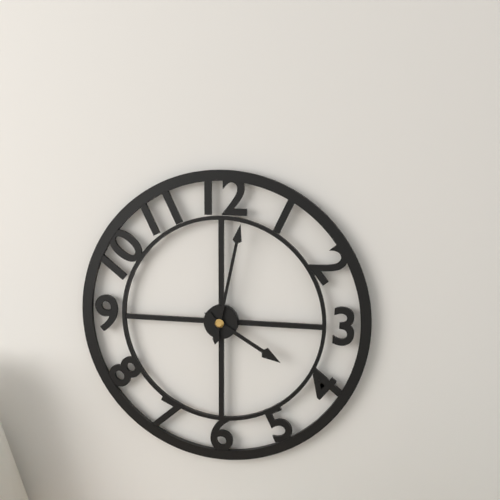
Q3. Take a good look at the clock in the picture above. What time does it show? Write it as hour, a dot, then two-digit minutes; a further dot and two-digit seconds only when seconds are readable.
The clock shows 4.02
